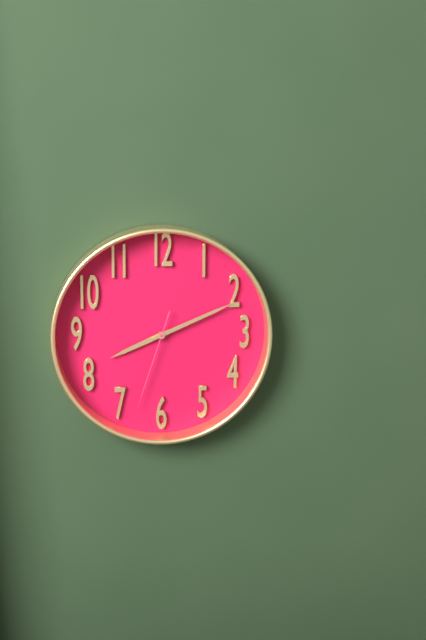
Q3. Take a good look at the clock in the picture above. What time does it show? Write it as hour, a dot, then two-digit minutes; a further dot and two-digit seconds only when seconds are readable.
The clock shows 8.11.33
